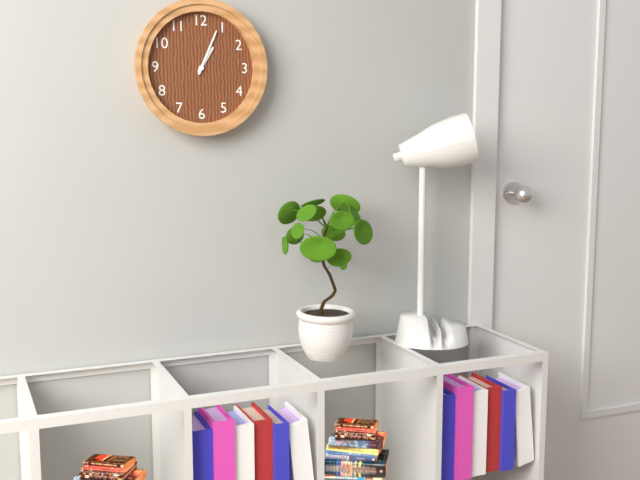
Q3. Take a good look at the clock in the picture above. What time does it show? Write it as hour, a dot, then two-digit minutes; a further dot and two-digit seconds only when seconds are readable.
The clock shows 1.04
